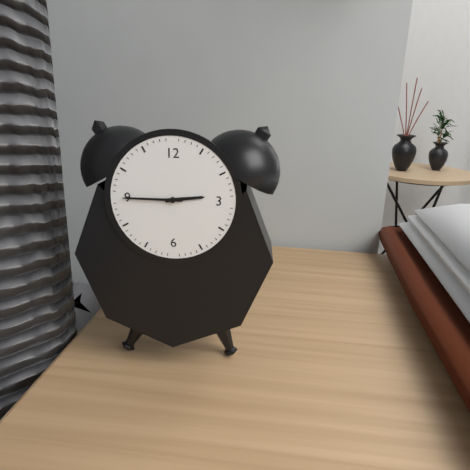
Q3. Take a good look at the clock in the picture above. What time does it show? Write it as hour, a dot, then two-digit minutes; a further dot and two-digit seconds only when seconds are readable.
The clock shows 2.45
